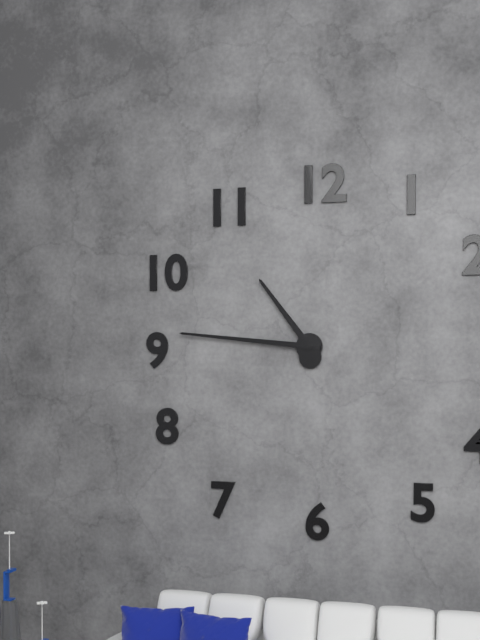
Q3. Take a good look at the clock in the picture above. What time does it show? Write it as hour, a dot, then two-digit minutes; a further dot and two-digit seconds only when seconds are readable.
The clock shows 10.46
